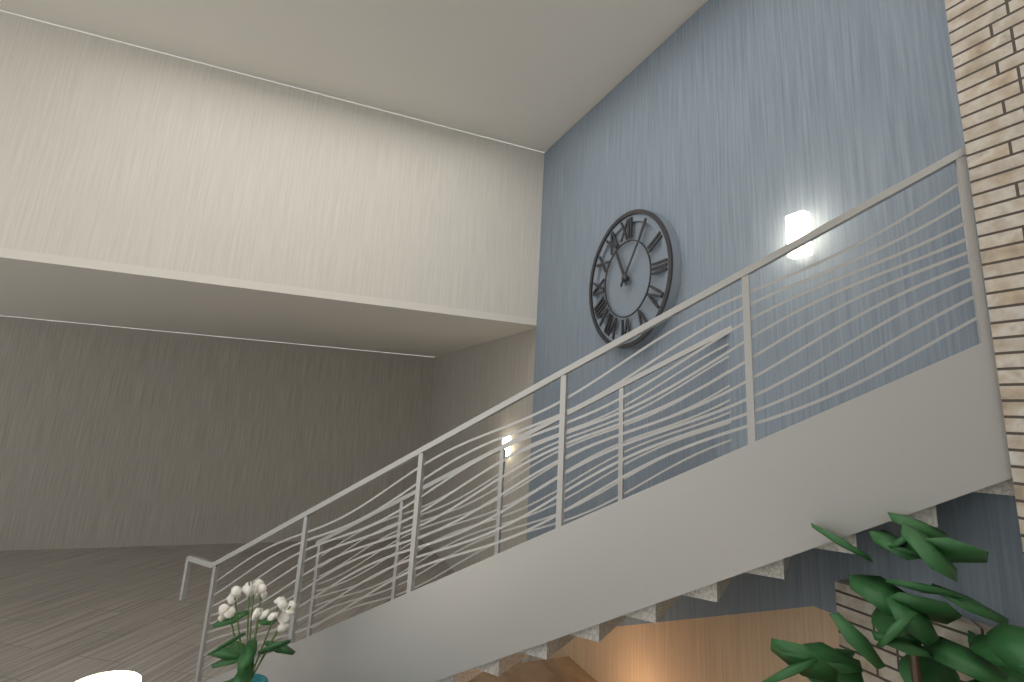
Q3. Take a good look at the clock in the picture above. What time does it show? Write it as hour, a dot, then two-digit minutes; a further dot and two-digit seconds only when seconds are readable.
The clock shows 11.06
